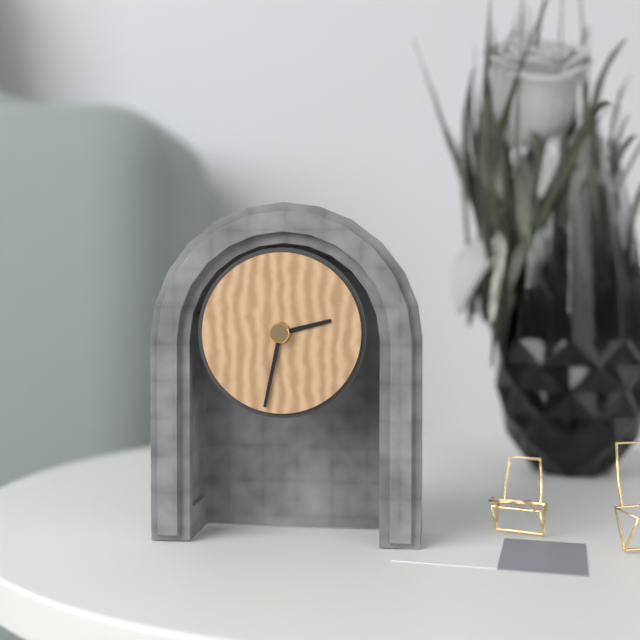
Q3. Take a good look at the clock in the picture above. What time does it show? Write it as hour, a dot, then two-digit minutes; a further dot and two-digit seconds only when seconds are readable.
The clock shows 2.32
